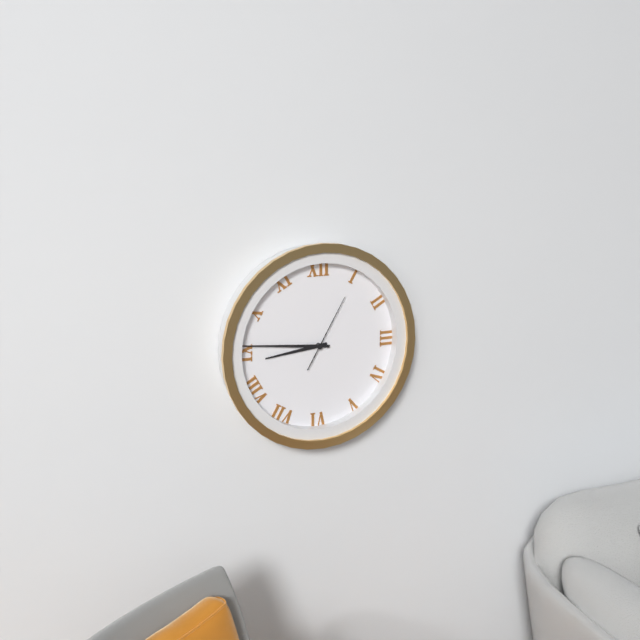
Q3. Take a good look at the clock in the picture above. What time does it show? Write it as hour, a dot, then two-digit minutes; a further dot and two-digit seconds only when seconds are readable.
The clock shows 8.46.05
